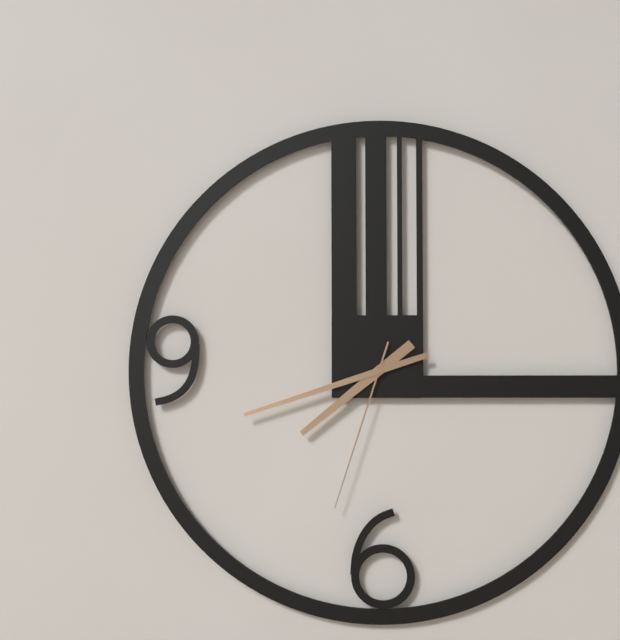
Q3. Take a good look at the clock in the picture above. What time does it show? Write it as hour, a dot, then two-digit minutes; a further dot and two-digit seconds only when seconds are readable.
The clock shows 7.42.33
